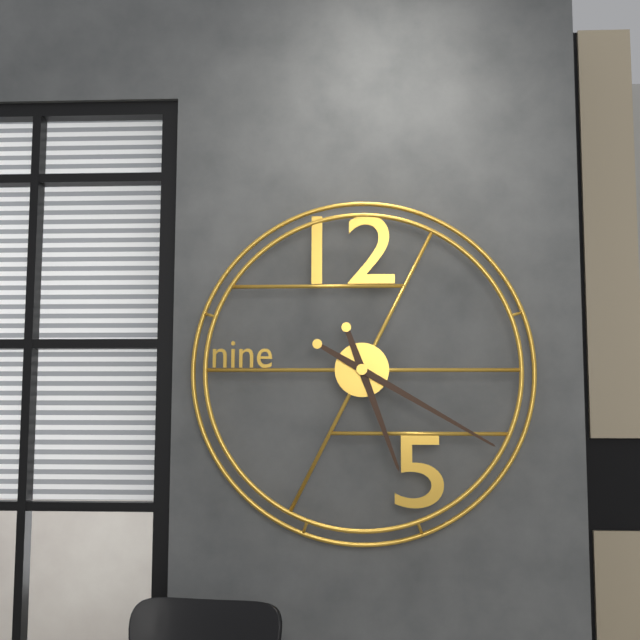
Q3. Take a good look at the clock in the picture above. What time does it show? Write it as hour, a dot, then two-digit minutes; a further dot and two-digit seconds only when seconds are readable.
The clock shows 5.20
